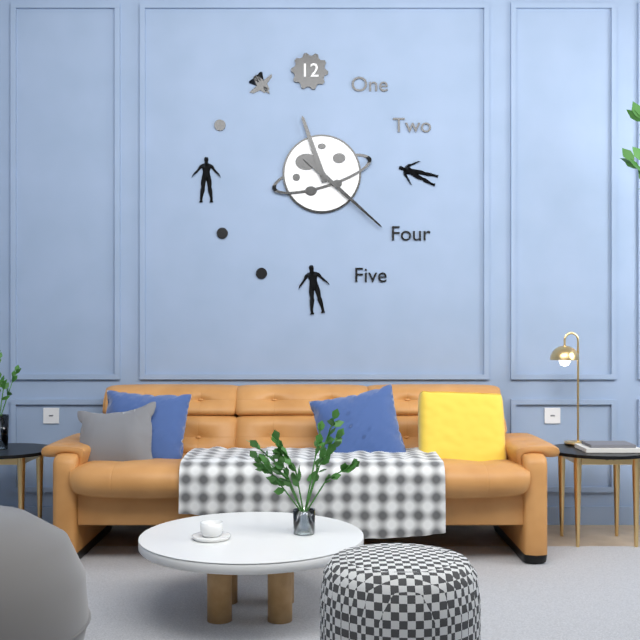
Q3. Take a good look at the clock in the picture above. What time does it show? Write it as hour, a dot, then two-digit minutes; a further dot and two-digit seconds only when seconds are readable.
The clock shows 11.22
